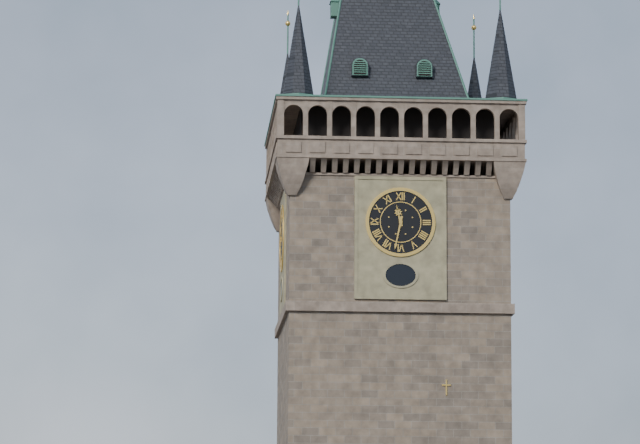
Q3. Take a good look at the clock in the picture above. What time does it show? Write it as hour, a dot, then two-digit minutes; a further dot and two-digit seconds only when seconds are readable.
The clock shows 11.32
